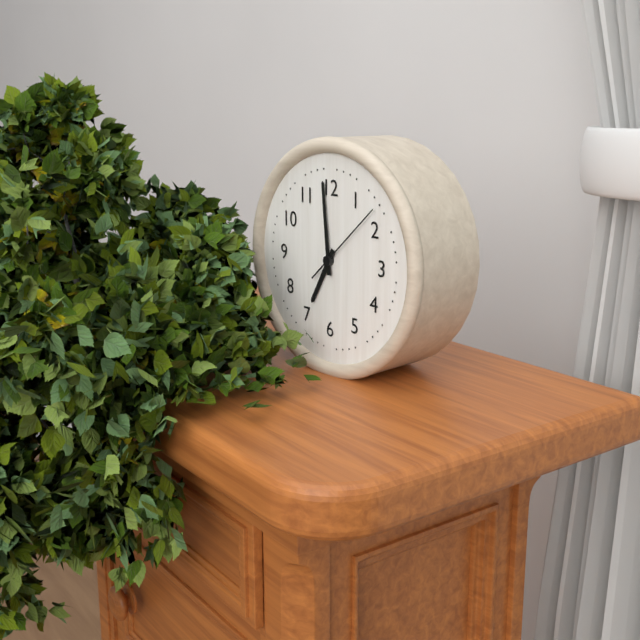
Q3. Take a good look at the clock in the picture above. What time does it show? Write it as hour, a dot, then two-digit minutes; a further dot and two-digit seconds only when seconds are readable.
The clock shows 6.59.08
